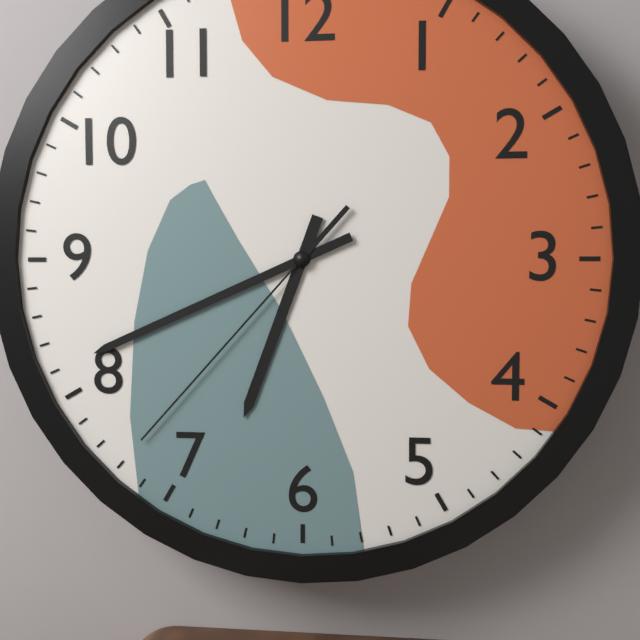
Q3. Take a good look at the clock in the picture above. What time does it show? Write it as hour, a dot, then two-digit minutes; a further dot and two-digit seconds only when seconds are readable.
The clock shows 6.41.37
